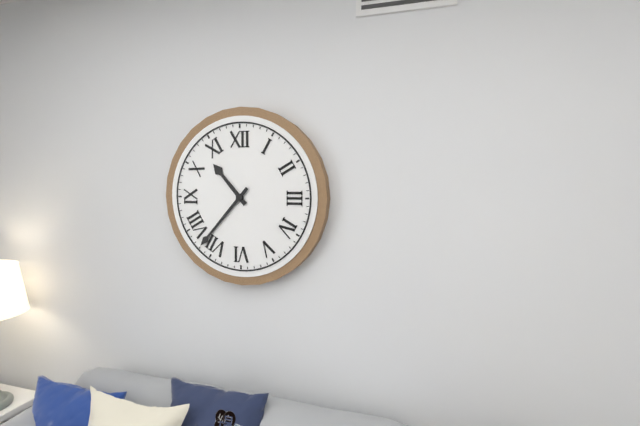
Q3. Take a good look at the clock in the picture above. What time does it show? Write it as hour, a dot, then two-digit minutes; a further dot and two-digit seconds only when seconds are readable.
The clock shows 10.37
